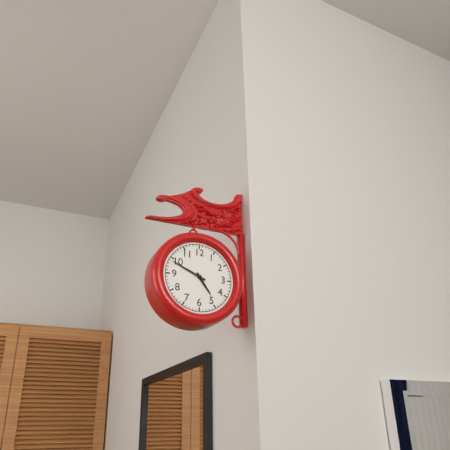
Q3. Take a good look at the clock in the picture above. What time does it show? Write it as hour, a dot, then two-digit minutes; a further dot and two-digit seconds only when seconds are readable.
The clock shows 4.49
